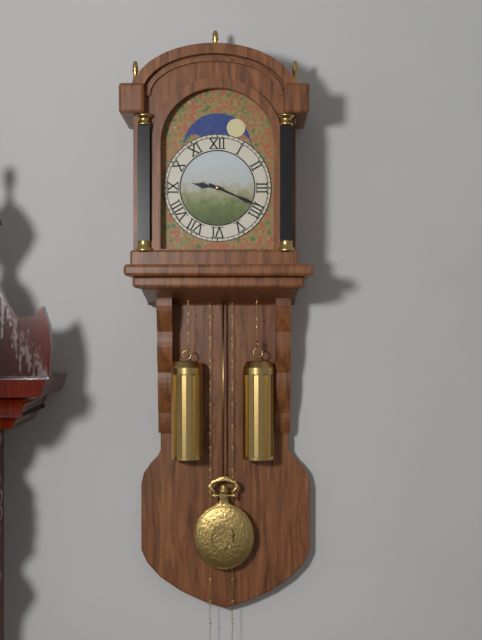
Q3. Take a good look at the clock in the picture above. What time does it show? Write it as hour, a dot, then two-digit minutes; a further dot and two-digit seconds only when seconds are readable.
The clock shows 9.19
